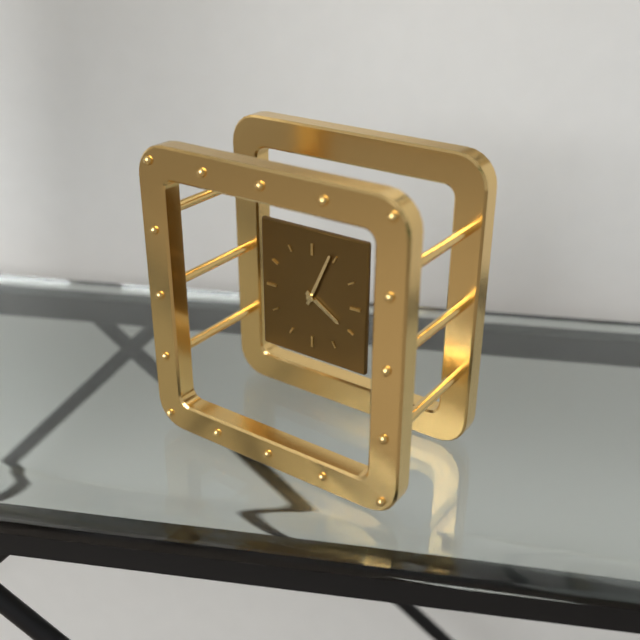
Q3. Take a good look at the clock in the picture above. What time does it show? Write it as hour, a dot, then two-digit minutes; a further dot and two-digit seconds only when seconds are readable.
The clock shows 4.04
